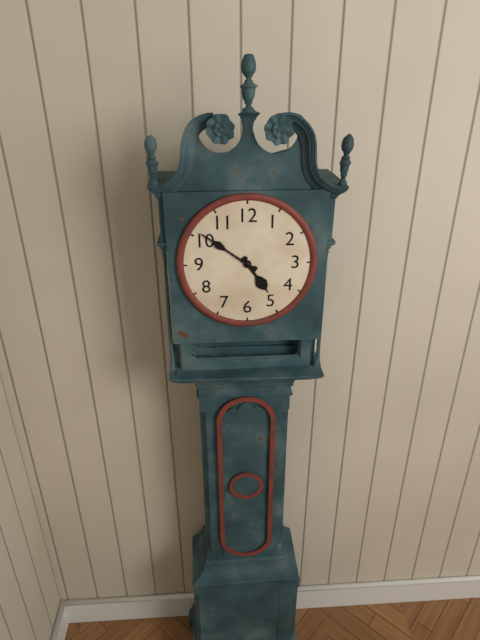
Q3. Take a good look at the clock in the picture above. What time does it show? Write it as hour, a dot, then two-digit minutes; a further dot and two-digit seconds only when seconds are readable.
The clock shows 4.51
